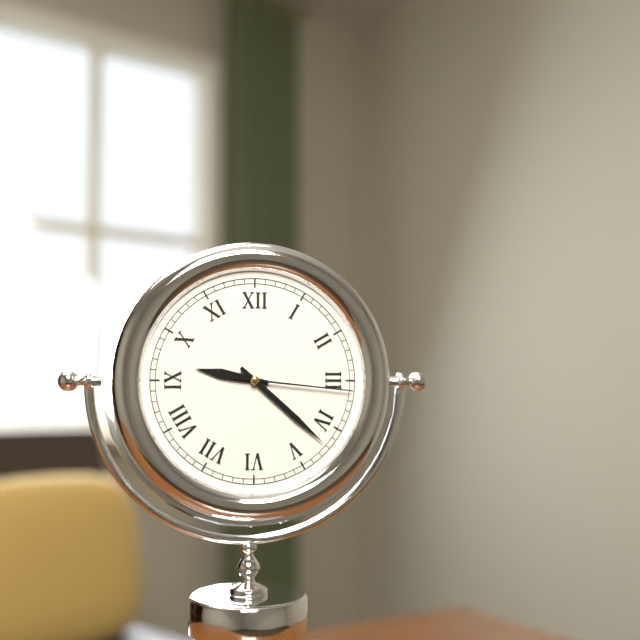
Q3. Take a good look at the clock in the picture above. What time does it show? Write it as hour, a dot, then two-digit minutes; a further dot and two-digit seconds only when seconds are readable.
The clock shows 9.22.16
